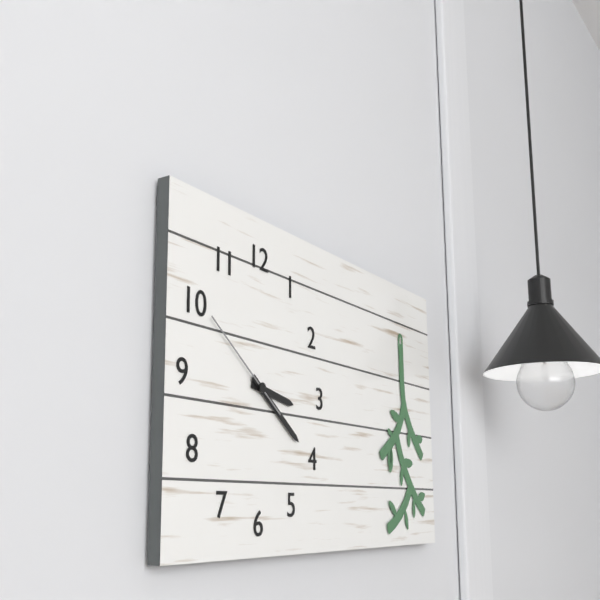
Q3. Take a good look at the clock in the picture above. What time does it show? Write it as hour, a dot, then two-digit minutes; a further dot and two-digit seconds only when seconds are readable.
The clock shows 3.21.51
